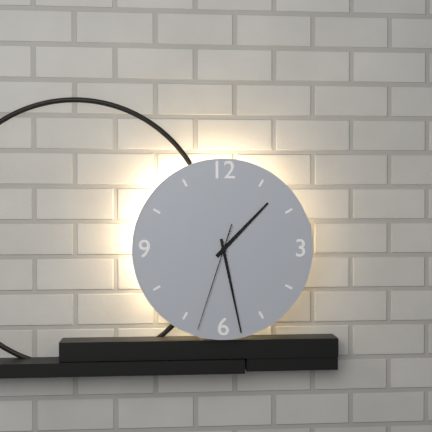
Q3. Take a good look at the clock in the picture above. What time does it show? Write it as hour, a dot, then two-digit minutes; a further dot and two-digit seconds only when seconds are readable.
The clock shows 1.28.33
